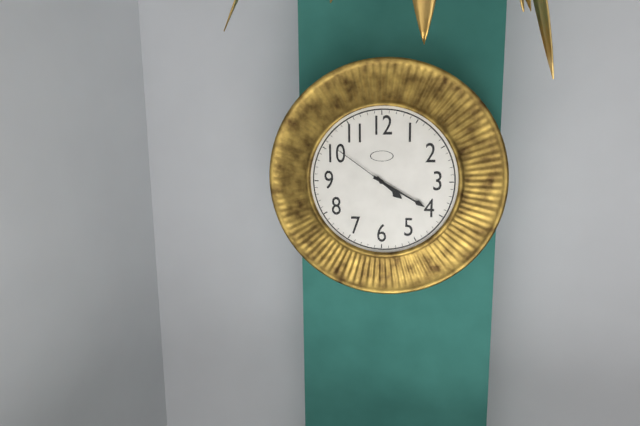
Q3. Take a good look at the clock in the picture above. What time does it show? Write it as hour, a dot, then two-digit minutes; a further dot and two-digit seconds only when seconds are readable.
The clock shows 4.20.51
